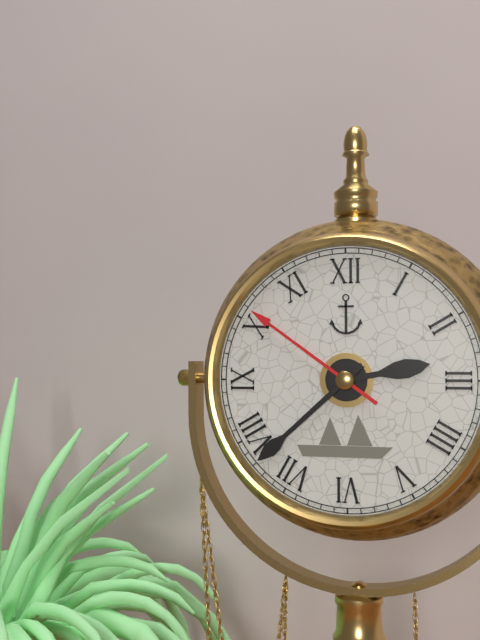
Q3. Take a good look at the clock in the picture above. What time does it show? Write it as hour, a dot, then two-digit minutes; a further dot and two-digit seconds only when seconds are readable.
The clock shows 2.38.51
